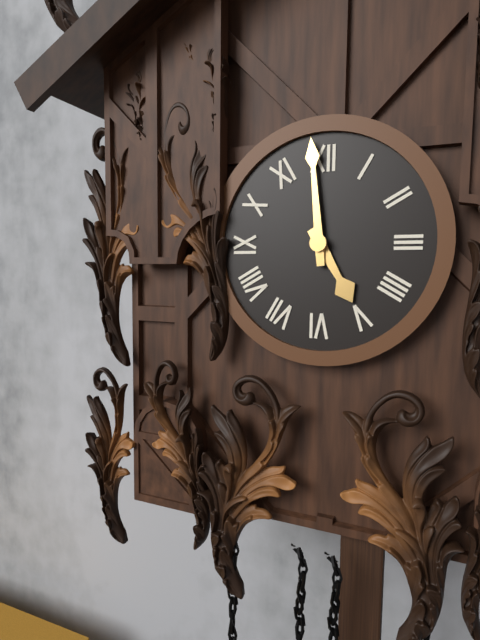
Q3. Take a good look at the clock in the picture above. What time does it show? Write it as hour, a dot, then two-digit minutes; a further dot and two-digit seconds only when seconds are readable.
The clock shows 4.59
